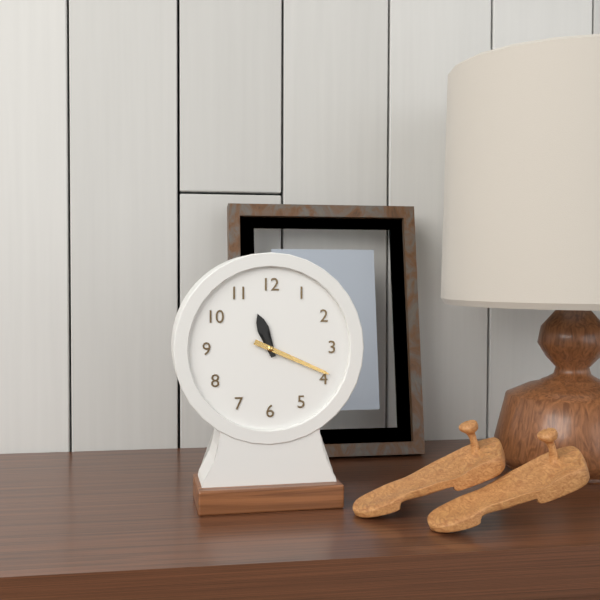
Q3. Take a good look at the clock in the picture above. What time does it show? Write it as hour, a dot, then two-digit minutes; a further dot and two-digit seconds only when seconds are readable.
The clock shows 11.19
